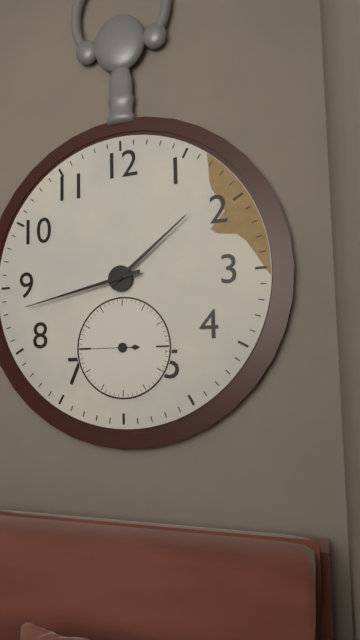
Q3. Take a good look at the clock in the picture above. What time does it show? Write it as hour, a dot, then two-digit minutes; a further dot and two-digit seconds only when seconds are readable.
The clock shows 1.43
